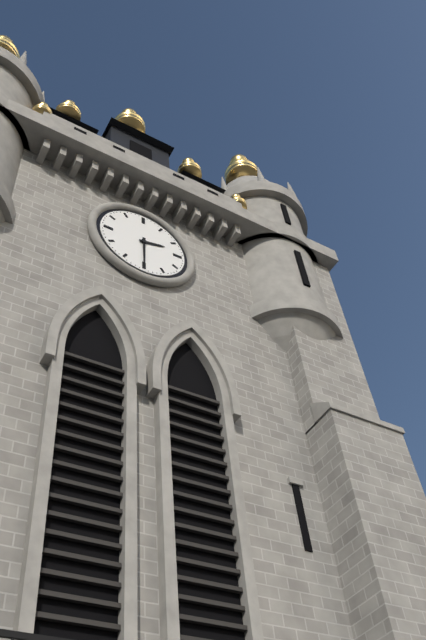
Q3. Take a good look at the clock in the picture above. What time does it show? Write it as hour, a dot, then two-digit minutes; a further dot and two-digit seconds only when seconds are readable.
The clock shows 2.30
